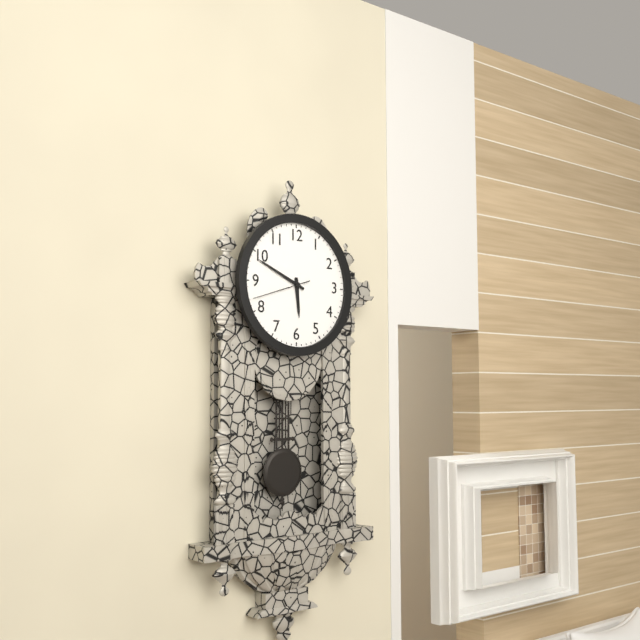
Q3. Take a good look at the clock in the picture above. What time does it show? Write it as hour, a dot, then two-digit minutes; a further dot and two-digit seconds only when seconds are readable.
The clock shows 5.49.42
